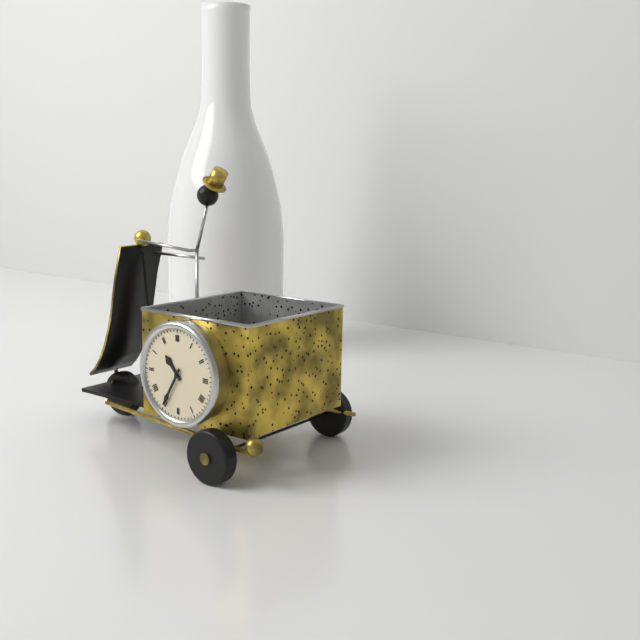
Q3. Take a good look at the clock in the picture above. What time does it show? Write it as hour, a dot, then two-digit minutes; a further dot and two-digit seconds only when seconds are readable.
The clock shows 10.35
